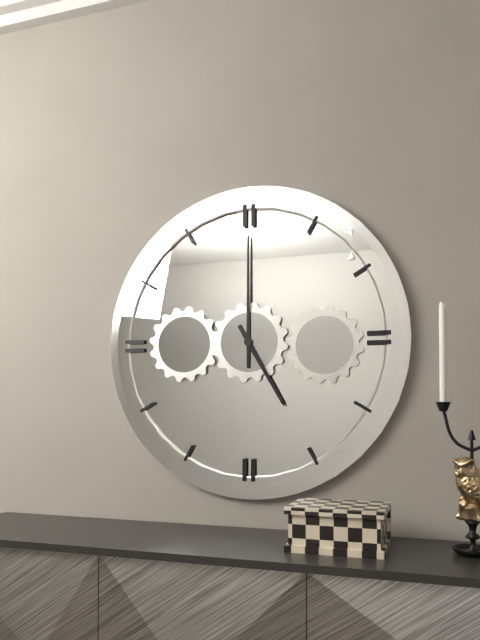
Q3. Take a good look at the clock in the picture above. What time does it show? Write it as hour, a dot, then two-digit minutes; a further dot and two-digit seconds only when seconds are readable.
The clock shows 5.00
